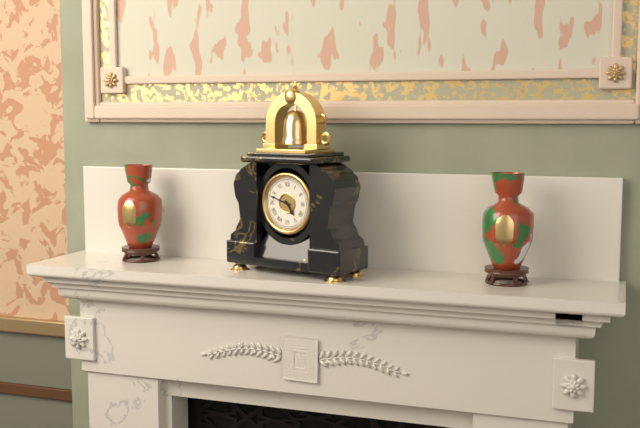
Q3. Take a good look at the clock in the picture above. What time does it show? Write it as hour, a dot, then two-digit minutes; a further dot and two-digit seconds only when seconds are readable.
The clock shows 4.48
